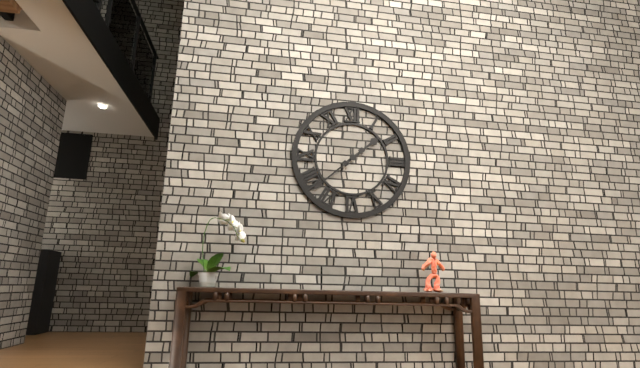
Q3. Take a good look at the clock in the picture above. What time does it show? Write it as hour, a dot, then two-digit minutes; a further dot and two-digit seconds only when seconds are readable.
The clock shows 1.38
